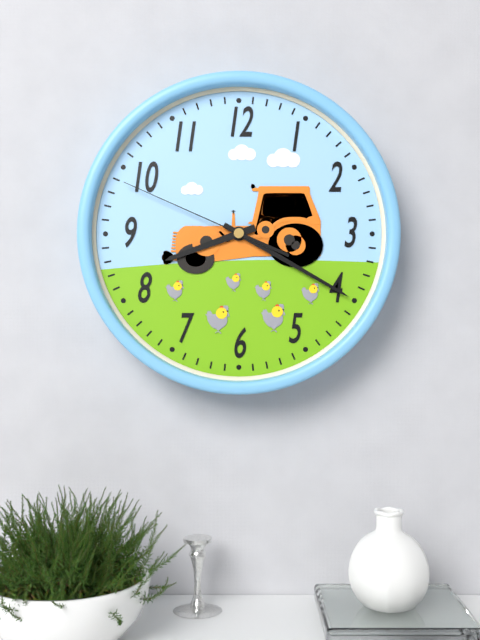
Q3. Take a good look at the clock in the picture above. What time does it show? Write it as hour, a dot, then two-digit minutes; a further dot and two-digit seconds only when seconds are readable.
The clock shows 8.20.49
